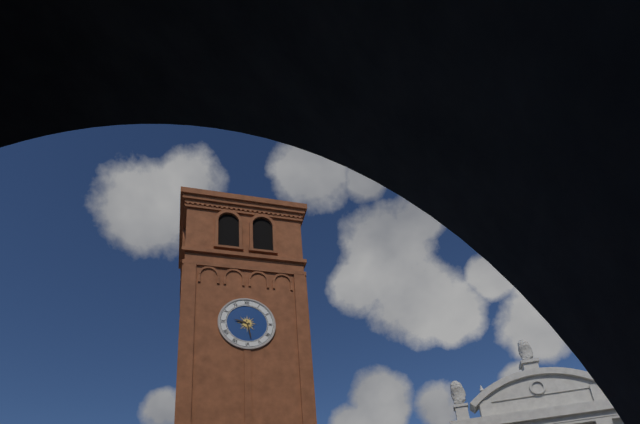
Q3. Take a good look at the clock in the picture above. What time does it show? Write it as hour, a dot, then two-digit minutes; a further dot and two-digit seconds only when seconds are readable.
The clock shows 9.28
